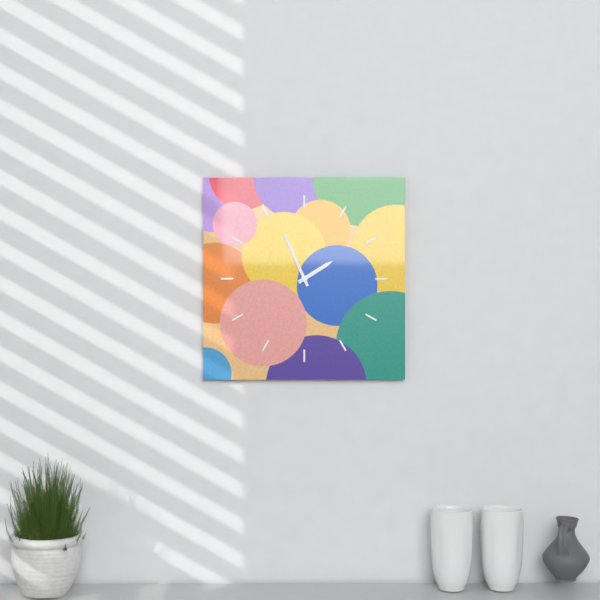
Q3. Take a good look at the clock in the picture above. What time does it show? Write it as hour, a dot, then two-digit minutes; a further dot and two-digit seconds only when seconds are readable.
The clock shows 1.56
